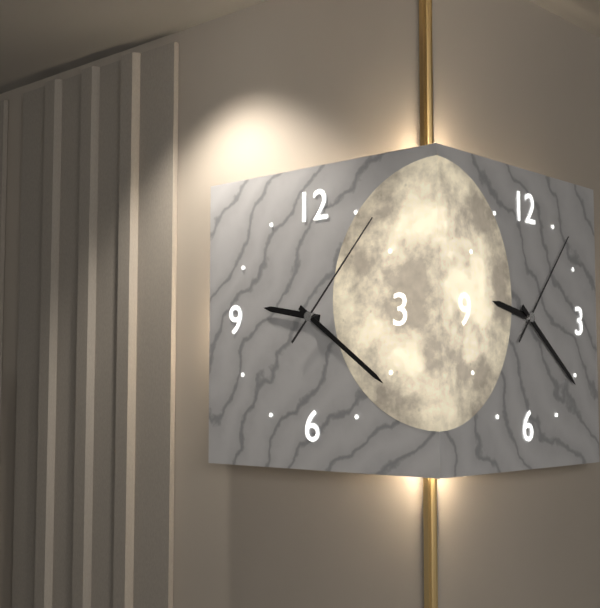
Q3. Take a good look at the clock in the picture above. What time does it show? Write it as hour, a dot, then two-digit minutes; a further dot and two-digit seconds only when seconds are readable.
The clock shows 9.21.07
